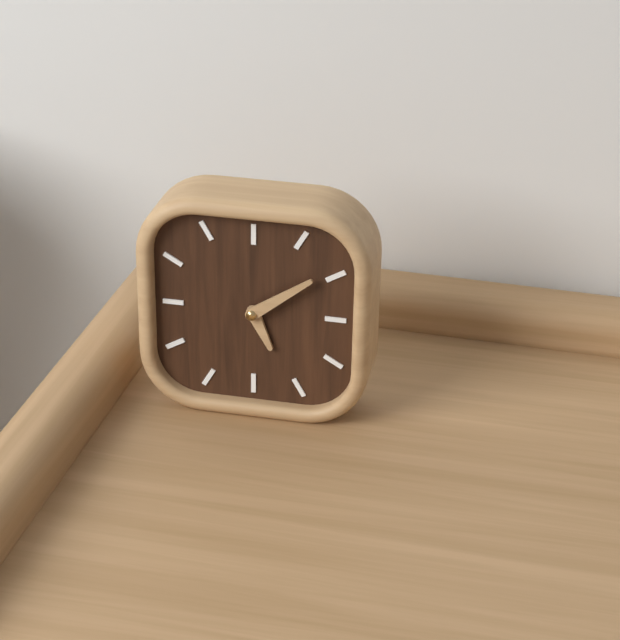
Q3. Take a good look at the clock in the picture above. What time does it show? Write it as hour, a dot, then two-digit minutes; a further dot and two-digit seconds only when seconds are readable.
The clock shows 5.09
